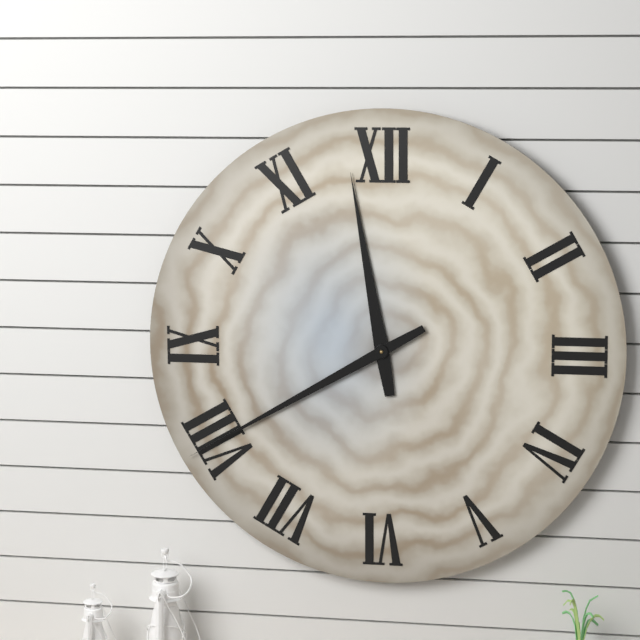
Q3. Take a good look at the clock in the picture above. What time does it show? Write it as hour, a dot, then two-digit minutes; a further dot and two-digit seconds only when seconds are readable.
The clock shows 11.40
